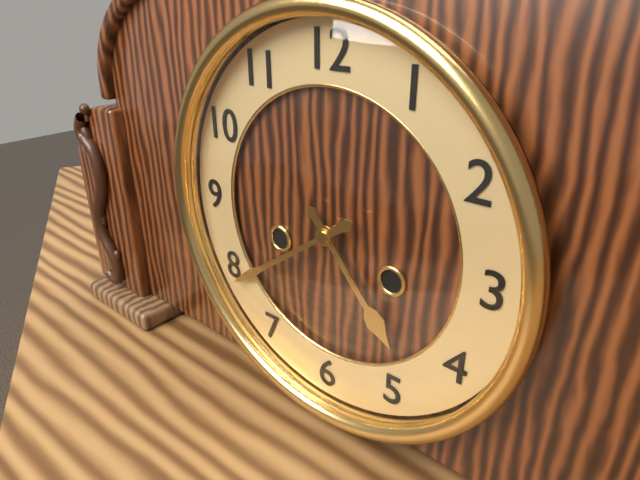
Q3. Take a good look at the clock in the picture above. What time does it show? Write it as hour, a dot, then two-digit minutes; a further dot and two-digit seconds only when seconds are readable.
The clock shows 4.39
